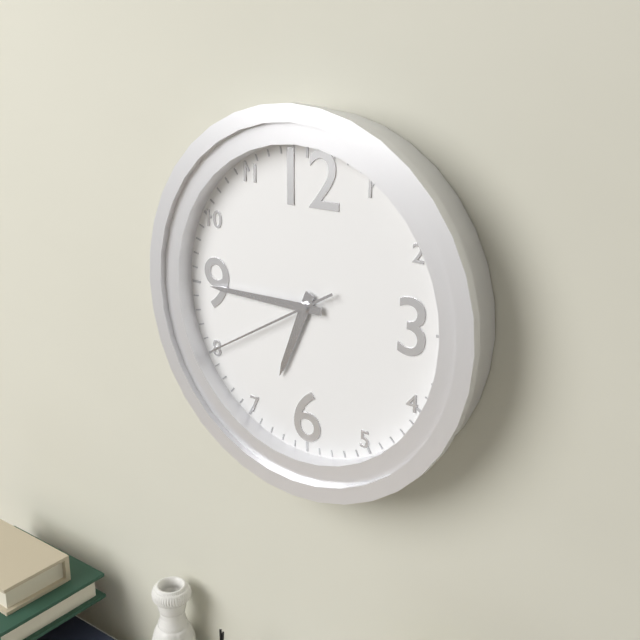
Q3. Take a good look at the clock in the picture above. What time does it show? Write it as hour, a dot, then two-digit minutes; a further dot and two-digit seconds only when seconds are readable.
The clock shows 6.45.40
